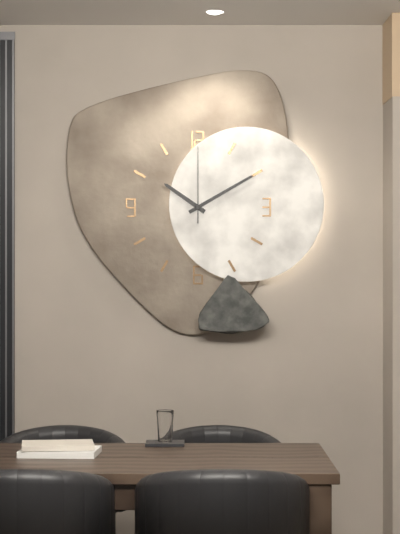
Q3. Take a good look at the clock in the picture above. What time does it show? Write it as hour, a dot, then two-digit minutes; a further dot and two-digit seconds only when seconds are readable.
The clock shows 10.10.00
